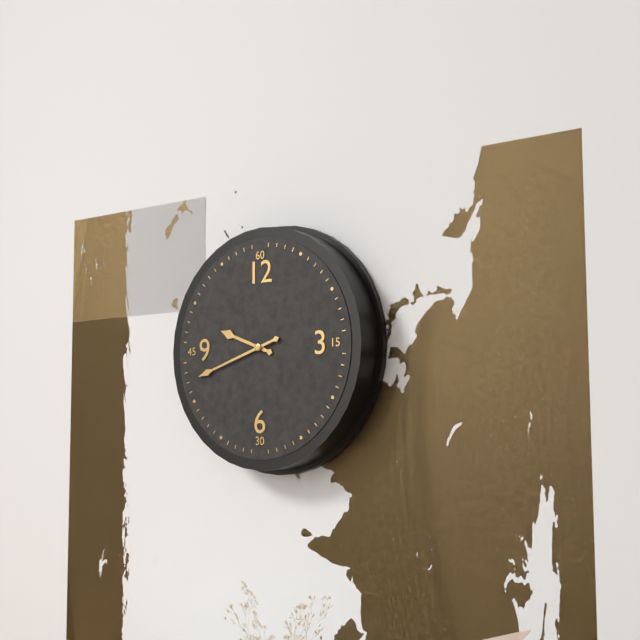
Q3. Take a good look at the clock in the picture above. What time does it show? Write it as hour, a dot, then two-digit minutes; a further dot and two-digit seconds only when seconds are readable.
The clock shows 9.42
